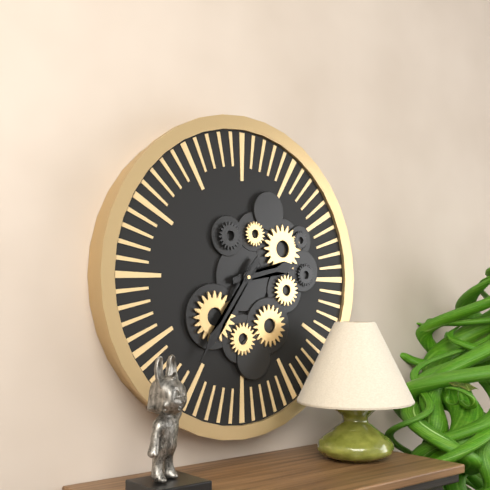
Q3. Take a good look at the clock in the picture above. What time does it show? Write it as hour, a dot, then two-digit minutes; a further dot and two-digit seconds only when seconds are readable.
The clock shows 2.36
